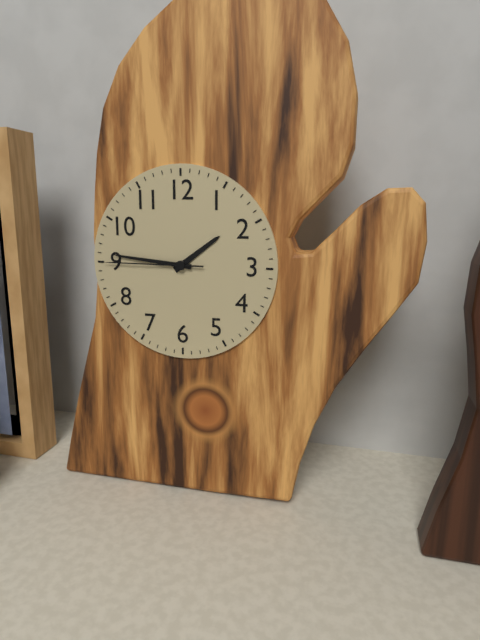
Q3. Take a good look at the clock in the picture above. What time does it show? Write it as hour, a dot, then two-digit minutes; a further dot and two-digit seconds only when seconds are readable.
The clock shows 1.46.45
